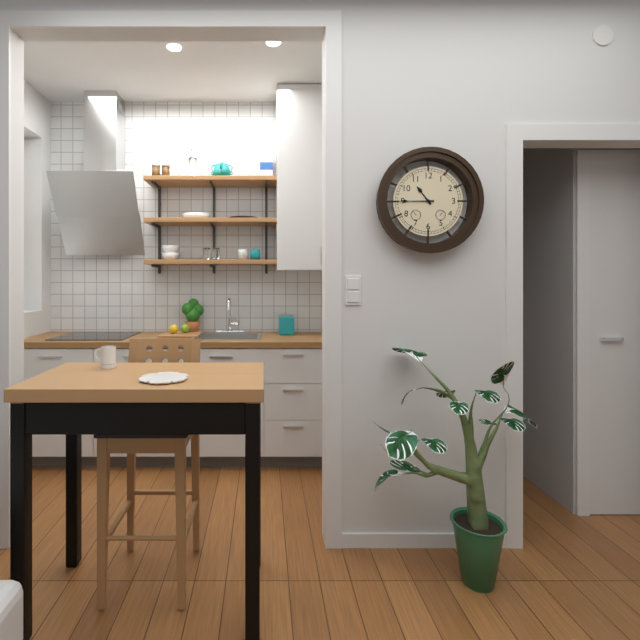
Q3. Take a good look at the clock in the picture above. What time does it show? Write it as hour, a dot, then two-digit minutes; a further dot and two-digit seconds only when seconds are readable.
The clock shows 10.45
